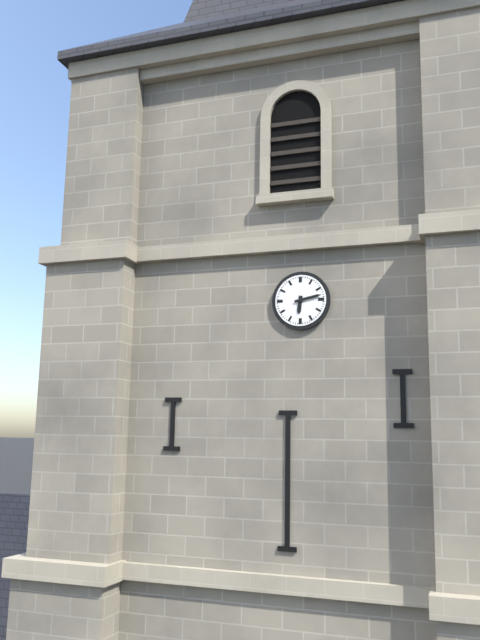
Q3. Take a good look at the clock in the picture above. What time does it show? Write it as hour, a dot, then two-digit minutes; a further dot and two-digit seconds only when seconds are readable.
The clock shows 6.13
